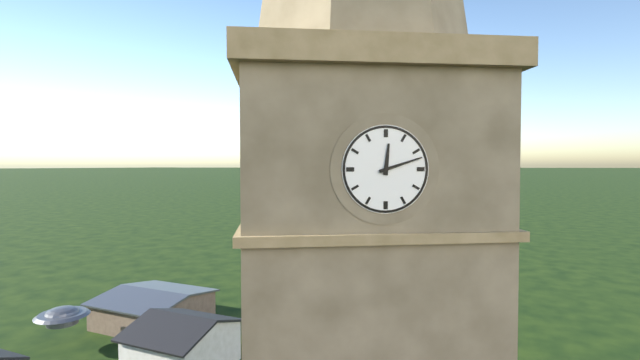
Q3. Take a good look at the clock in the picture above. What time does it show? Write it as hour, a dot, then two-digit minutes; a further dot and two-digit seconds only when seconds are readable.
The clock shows 12.12
